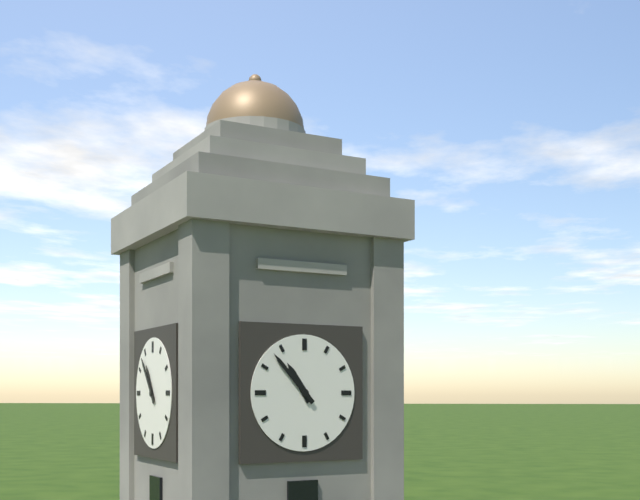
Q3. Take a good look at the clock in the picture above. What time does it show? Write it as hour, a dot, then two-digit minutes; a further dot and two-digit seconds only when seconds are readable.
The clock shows 10.53
